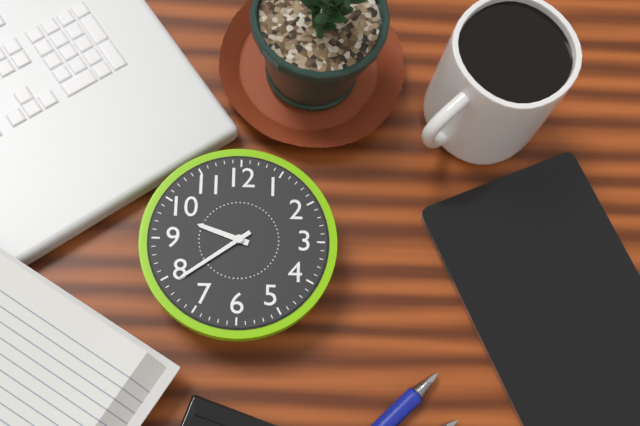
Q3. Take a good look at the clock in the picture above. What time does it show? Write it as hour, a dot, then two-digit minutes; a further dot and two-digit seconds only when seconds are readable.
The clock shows 9.39
